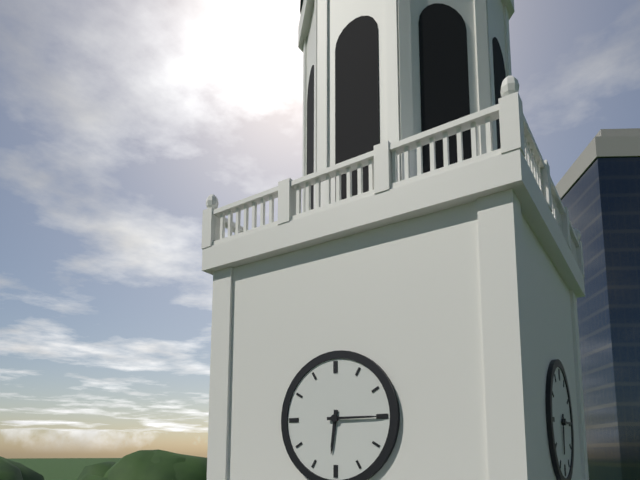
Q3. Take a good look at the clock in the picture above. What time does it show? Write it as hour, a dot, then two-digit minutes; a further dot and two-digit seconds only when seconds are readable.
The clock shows 6.15
